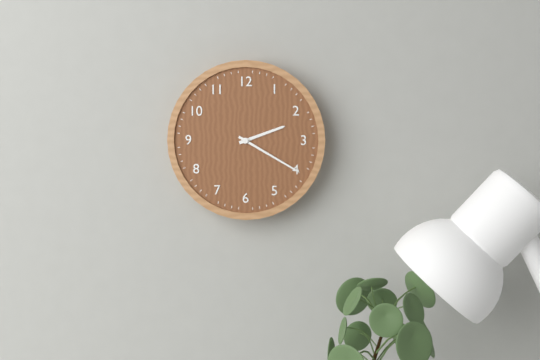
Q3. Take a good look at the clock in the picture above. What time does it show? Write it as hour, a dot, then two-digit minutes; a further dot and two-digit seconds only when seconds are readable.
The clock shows 2.20
